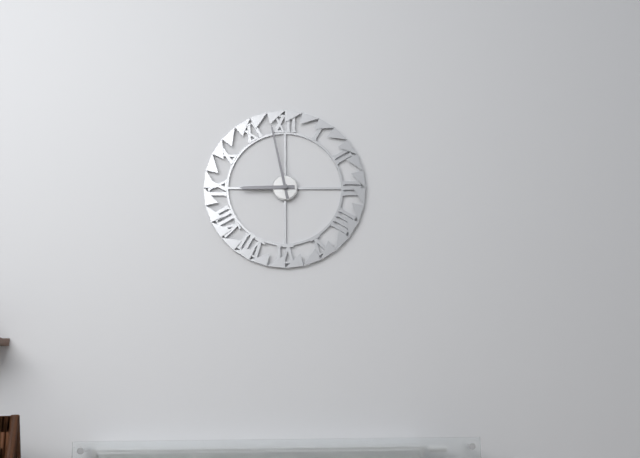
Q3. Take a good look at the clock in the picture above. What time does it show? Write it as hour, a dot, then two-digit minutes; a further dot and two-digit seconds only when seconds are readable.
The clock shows 8.58
